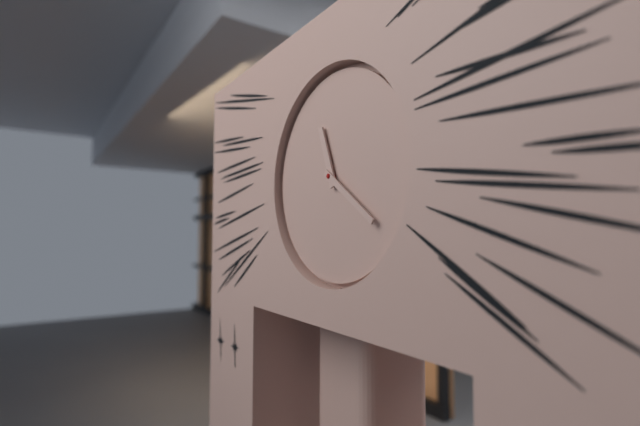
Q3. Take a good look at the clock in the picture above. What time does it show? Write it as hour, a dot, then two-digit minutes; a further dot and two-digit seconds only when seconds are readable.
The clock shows 11.21
